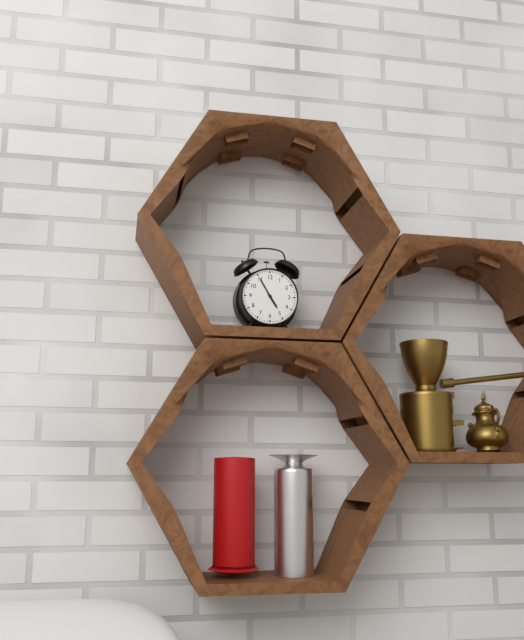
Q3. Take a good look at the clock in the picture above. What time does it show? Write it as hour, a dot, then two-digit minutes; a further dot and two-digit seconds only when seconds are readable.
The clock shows 4.55
